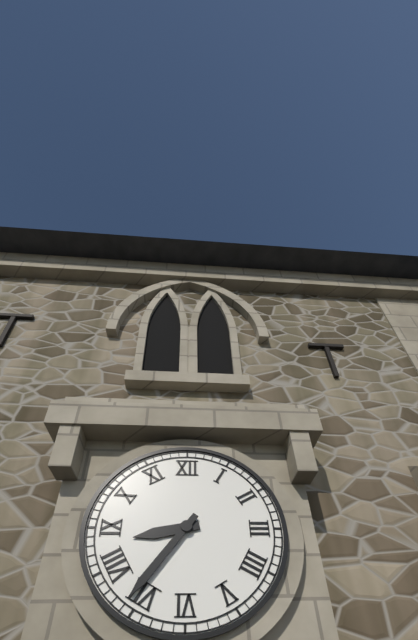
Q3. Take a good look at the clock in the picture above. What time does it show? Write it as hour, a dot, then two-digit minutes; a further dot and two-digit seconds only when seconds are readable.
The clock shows 8.36
